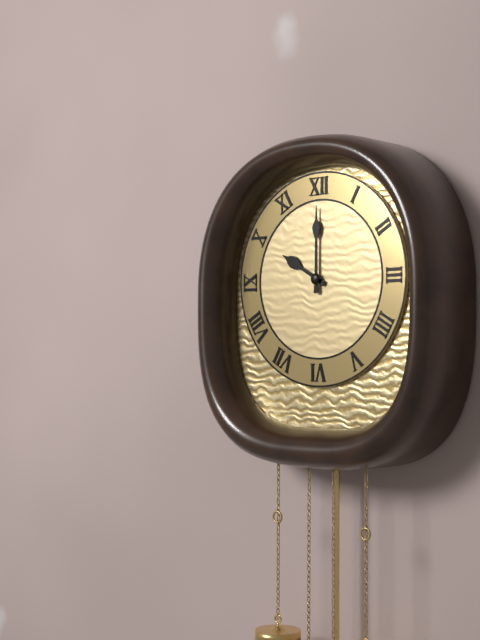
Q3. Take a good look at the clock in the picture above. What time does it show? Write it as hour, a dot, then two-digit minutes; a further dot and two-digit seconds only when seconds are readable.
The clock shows 10.00
